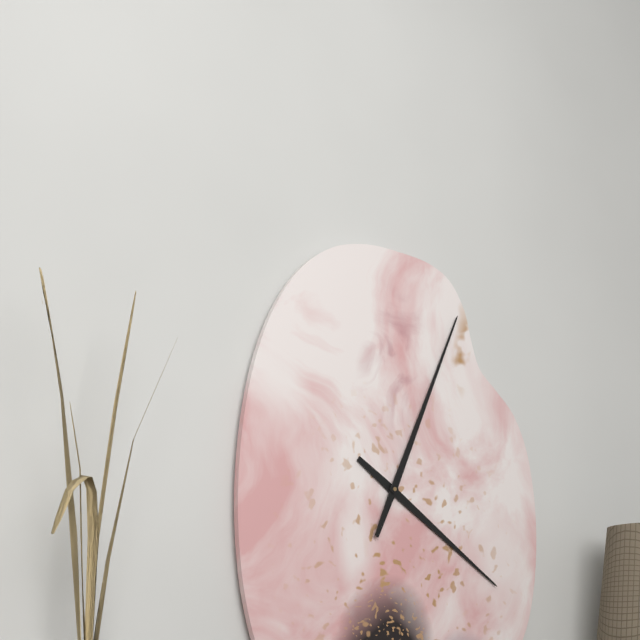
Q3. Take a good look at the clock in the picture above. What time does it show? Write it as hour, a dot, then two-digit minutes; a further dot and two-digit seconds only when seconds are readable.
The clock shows 4.04
